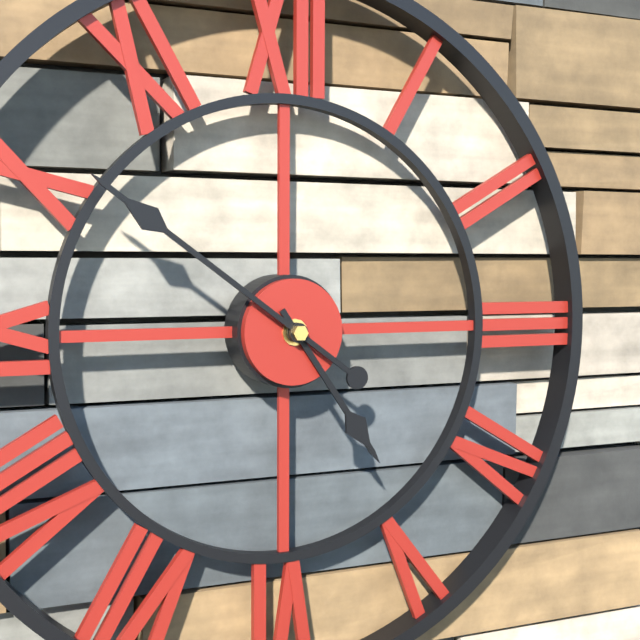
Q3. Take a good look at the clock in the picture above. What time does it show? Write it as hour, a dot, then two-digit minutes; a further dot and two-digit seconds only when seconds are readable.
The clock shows 4.51
